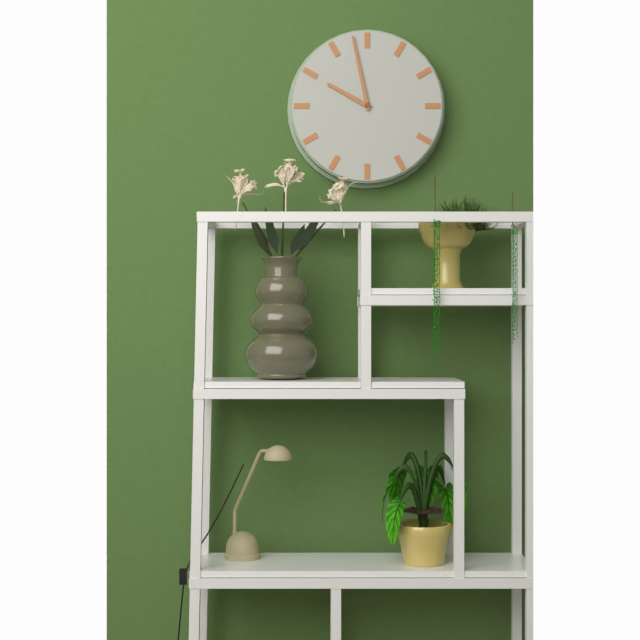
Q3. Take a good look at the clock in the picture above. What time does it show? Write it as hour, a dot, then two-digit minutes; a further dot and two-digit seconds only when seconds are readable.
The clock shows 9.58
